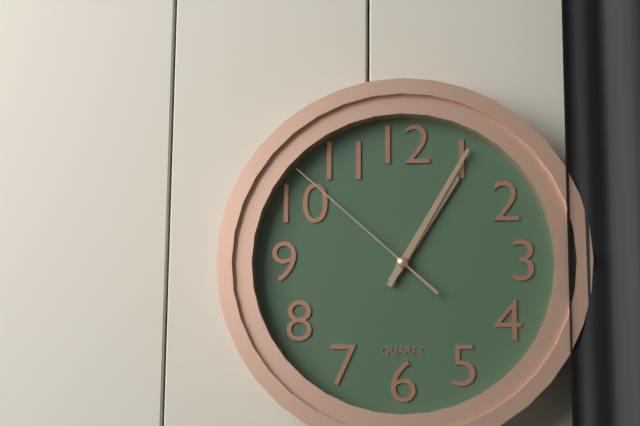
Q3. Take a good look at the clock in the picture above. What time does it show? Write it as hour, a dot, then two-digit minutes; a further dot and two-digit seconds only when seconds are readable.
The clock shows 1.05.52
